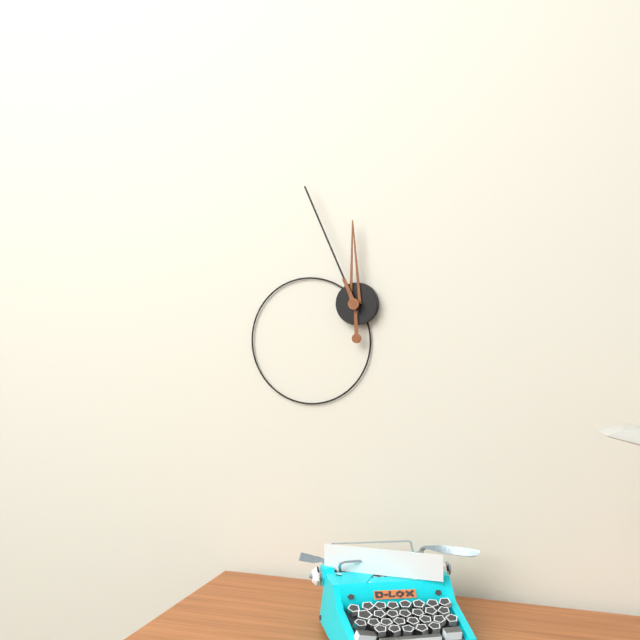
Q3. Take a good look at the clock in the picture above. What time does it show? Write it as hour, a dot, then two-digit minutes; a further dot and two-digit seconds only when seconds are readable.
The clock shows 11.56
